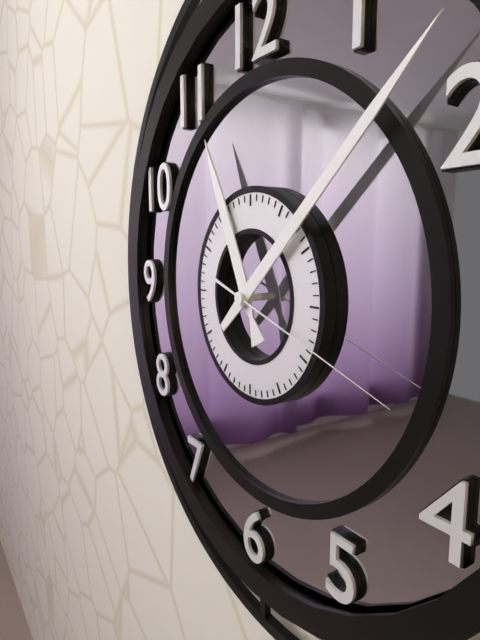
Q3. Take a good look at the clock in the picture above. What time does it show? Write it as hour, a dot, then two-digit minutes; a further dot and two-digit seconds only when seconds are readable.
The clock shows 11.08.18
